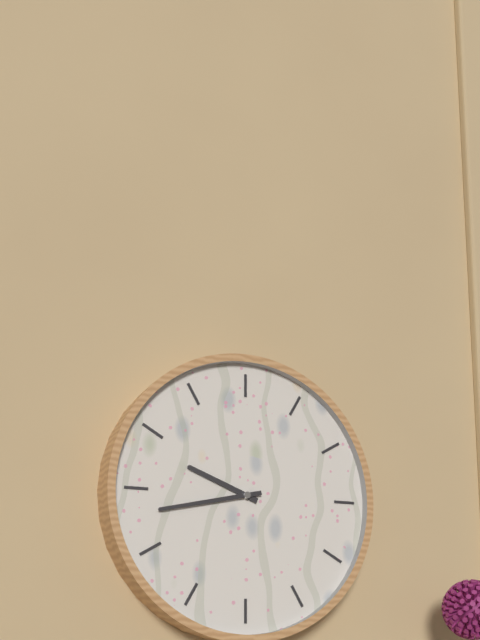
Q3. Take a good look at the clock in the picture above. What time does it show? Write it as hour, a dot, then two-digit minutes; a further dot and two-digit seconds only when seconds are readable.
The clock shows 9.43
